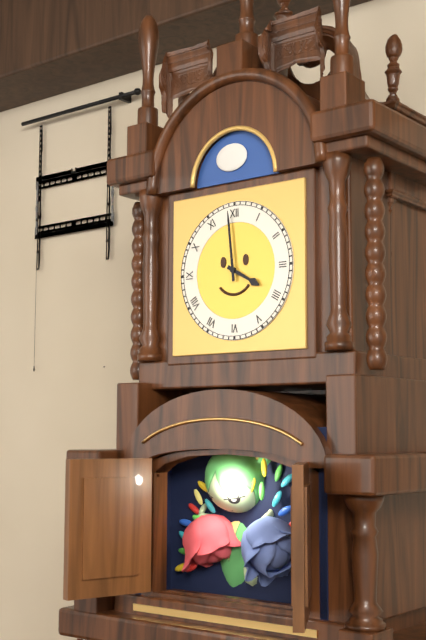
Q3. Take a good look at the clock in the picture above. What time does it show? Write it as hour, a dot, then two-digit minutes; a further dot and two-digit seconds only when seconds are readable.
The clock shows 3.59
